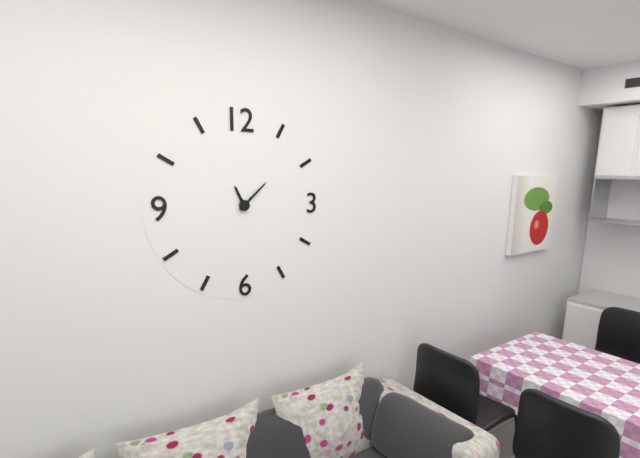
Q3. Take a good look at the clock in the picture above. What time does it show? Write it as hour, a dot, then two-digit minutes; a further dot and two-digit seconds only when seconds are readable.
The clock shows 11.08
